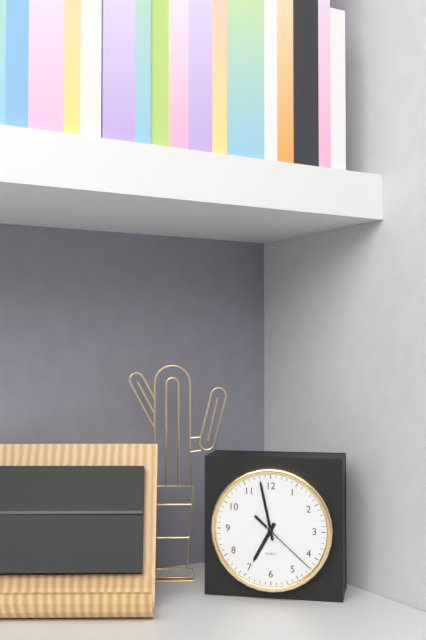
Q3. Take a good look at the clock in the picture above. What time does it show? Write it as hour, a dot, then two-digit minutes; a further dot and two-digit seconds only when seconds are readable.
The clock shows 6.58.22
